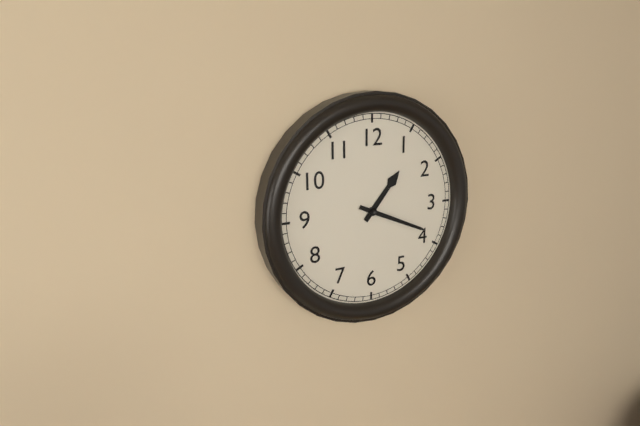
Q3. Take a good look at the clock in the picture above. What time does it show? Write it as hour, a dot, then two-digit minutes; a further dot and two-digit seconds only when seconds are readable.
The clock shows 1.19
